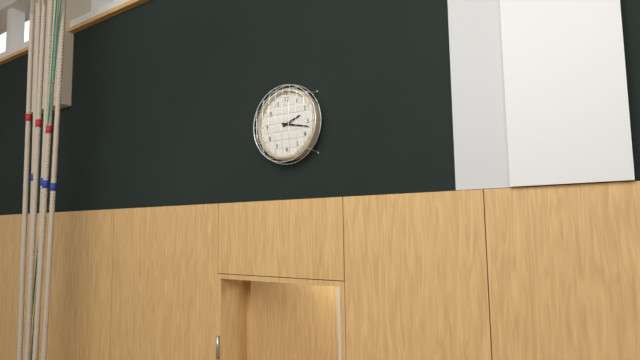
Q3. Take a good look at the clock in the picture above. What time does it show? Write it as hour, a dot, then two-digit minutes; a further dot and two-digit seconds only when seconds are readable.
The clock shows 2.17
